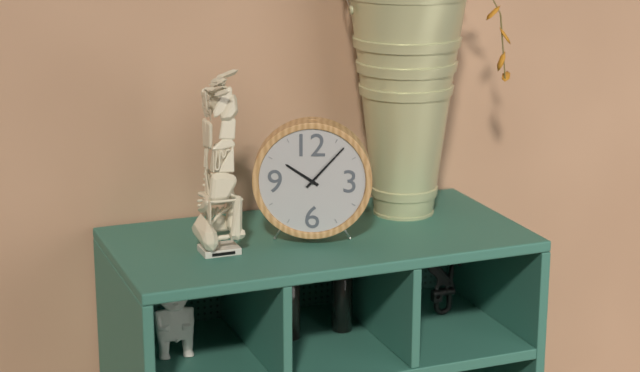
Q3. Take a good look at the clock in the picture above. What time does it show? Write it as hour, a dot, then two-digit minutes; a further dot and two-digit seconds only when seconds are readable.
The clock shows 10.07
